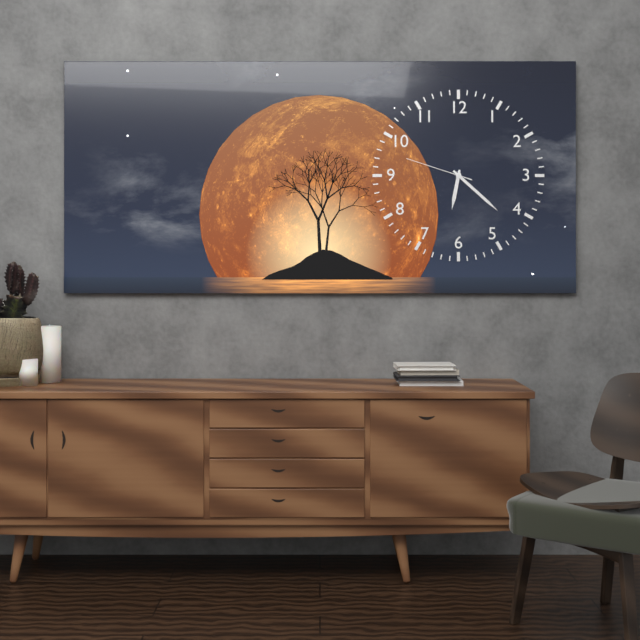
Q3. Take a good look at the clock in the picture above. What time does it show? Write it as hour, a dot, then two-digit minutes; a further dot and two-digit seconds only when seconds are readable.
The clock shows 6.22.48
